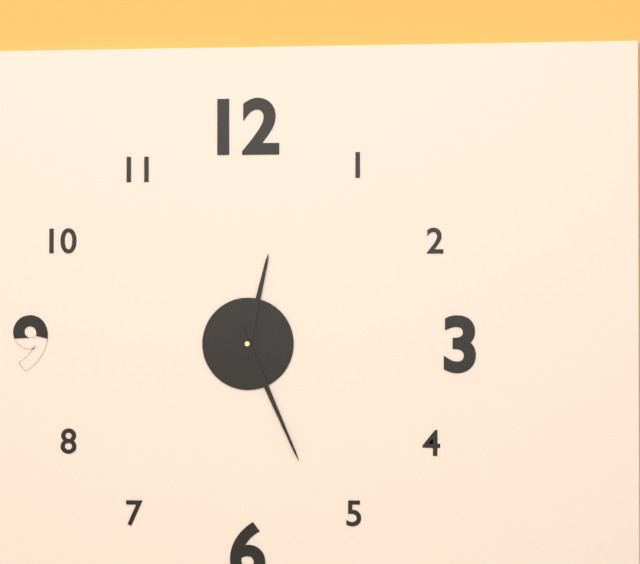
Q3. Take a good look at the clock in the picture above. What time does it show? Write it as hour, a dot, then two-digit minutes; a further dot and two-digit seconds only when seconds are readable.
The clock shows 12.26
